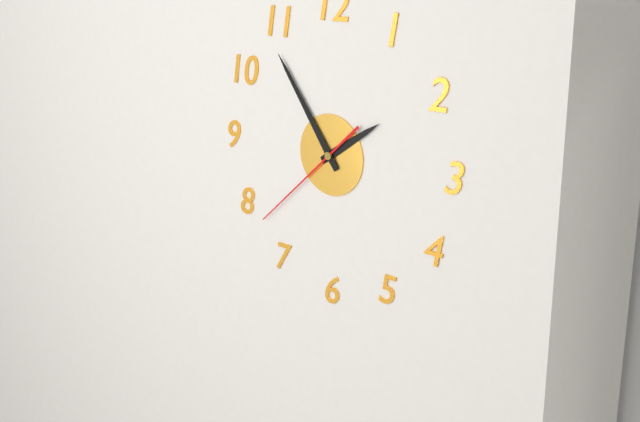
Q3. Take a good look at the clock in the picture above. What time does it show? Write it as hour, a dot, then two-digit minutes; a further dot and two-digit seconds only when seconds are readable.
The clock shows 1.54.38
